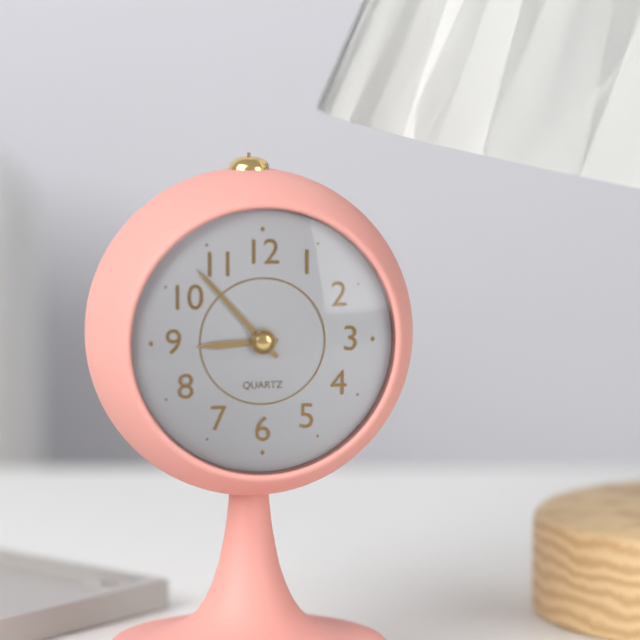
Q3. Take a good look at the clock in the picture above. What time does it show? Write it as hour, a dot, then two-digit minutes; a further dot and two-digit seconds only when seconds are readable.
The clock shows 8.53
